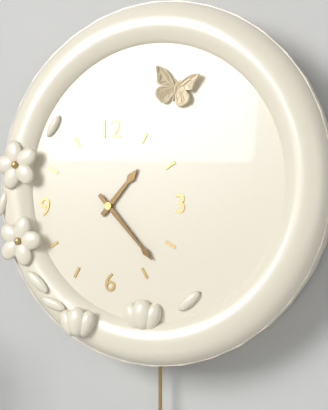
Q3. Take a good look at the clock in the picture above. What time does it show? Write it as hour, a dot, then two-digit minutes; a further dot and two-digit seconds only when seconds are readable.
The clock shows 1.23
